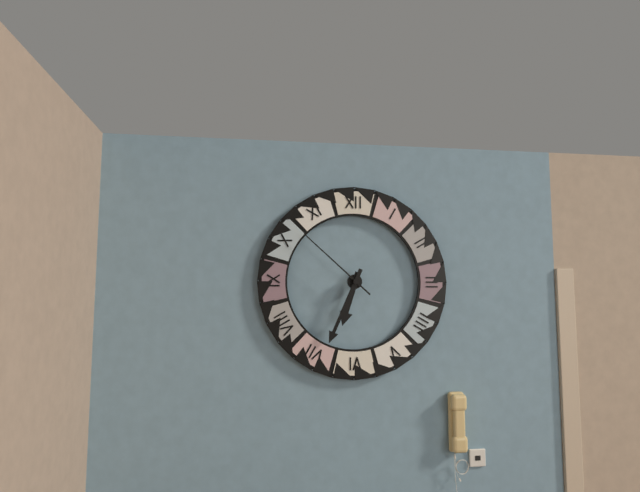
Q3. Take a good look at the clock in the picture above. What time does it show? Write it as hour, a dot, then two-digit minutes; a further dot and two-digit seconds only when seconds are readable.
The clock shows 6.34.52
